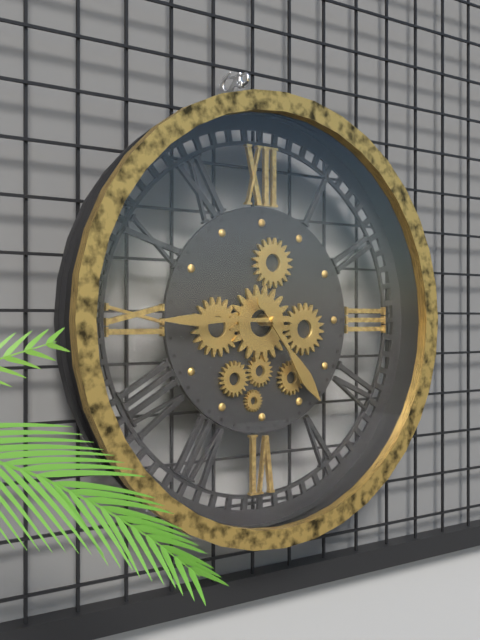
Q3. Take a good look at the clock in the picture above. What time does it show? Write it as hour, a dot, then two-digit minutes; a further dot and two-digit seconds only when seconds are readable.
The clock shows 4.45
